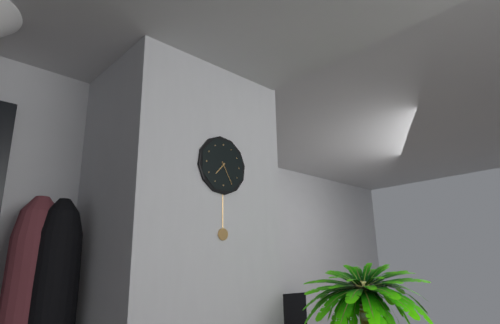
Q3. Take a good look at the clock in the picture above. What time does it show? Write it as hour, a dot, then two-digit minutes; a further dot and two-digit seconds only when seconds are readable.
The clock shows 7.25
